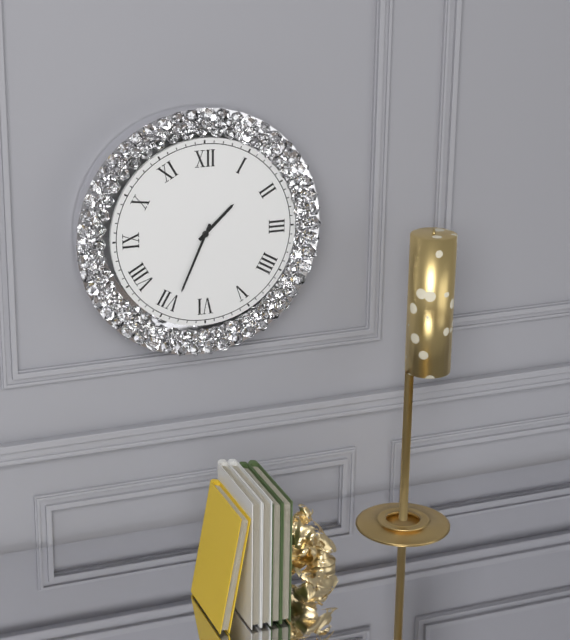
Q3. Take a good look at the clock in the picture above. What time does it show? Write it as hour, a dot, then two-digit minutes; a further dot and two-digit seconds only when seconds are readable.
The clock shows 1.34
